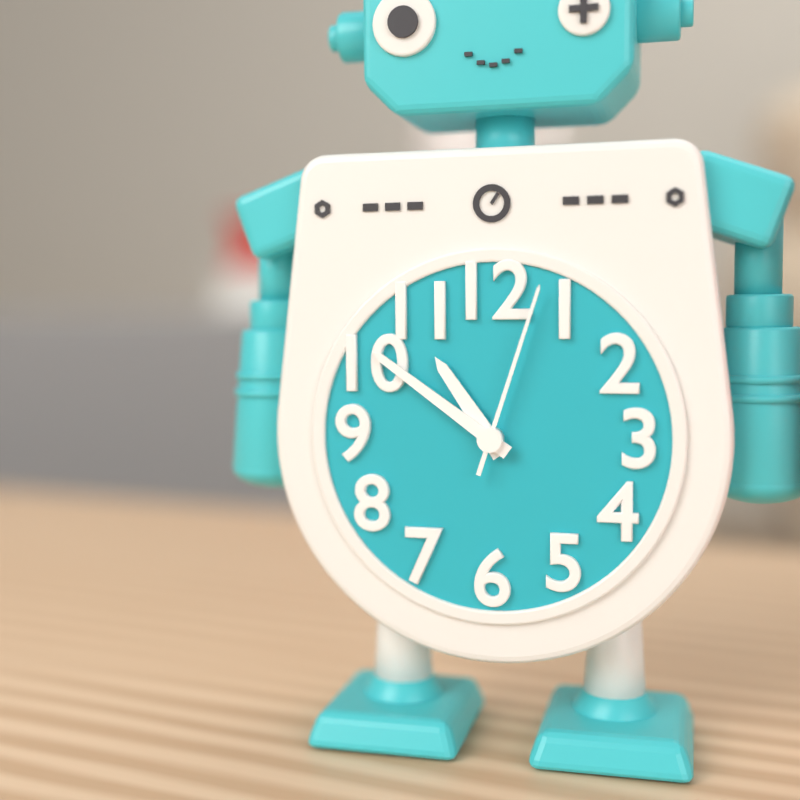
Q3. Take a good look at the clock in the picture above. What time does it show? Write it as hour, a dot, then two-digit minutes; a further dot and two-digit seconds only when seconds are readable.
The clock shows 10.51.03
